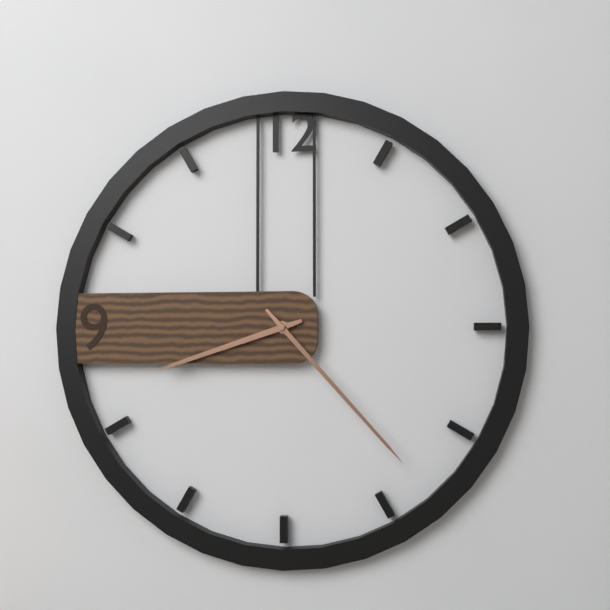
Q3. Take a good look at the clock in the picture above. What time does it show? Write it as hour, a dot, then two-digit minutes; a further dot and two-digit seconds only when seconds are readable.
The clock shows 8.23
